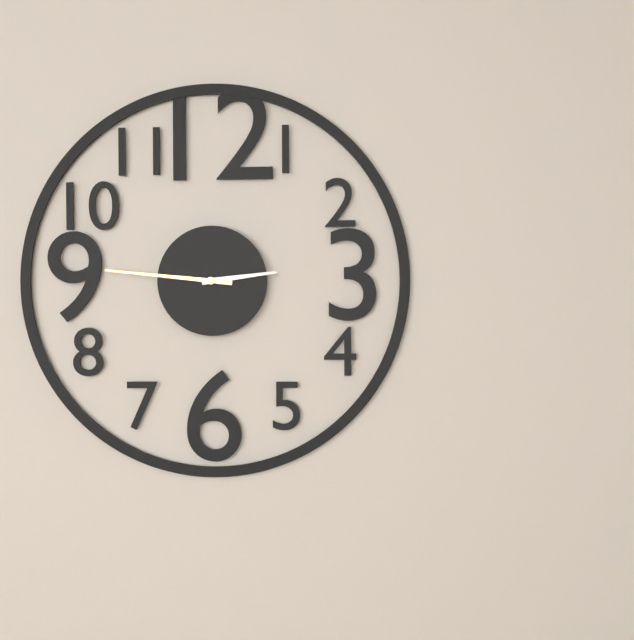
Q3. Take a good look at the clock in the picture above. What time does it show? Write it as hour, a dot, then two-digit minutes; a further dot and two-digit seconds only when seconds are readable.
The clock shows 2.46
